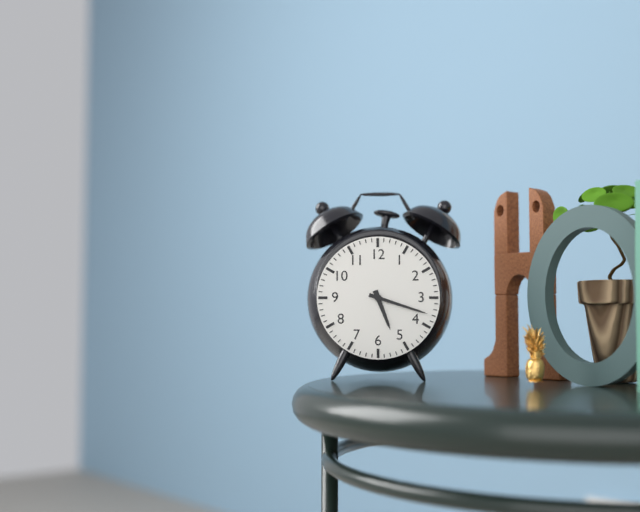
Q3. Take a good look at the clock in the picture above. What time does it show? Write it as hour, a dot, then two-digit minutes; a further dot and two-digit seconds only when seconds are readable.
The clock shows 5.18
